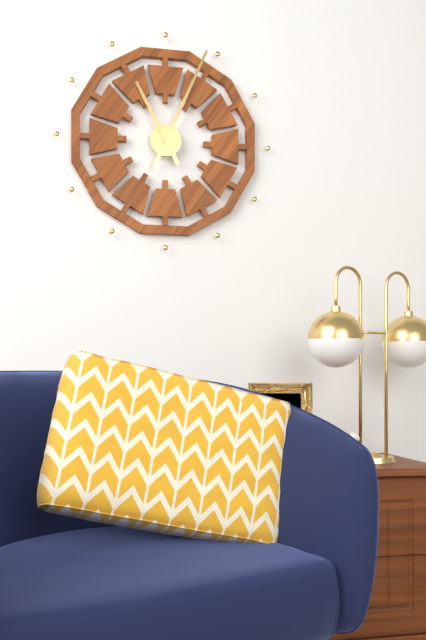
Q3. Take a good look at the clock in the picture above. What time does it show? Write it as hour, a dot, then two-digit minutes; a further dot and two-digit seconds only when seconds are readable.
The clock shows 11.04
